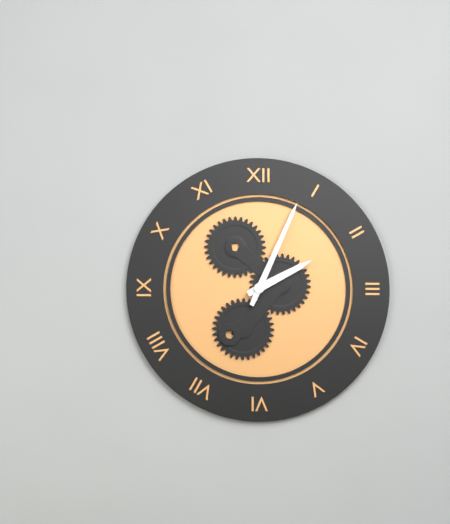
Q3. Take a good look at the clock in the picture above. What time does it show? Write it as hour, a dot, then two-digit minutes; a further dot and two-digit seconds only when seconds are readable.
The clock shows 2.04
